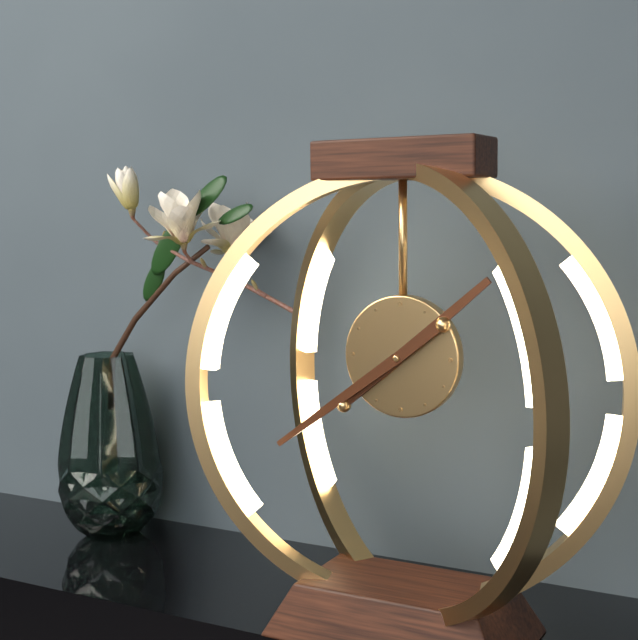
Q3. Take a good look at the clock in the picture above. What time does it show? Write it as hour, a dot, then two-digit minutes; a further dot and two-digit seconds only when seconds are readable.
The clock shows 1.39
